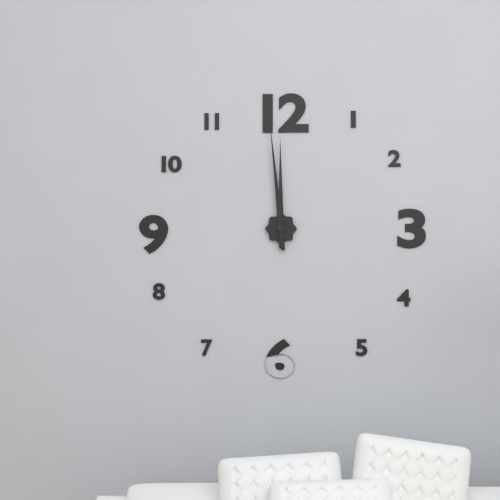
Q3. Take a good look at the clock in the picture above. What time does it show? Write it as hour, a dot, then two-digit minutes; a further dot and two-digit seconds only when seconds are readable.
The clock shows 11.59
